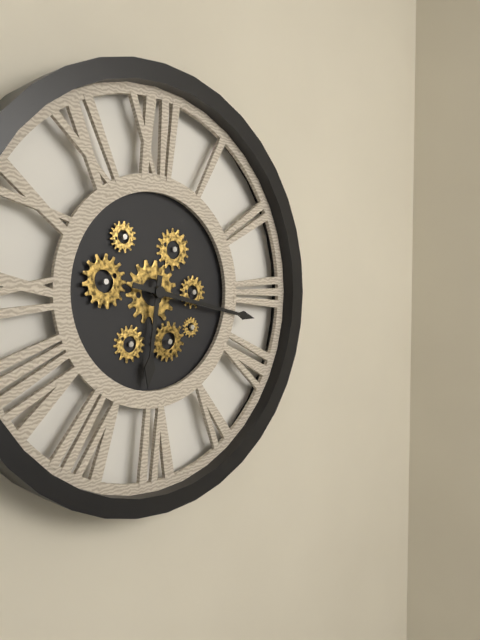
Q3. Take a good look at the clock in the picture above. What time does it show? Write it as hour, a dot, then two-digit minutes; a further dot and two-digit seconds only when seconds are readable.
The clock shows 6.17
